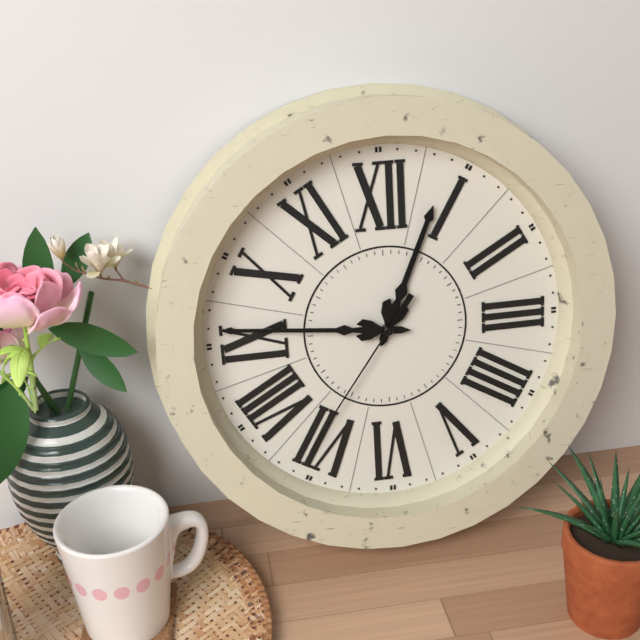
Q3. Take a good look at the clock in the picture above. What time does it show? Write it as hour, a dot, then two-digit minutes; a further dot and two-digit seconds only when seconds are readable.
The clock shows 12.46.36
